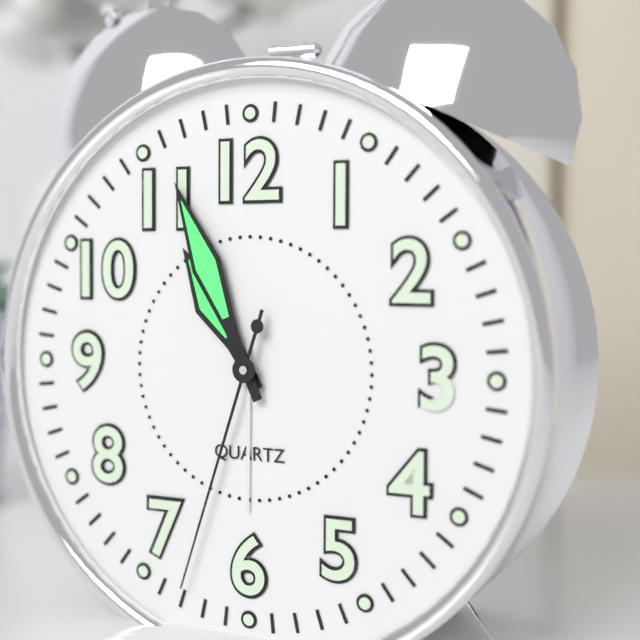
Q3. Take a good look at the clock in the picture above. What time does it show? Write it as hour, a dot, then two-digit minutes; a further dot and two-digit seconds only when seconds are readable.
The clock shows 10.56.33
